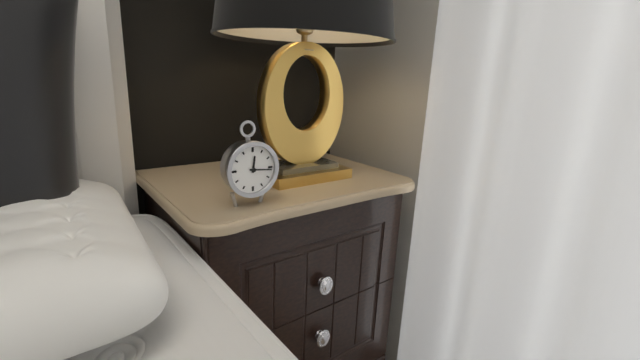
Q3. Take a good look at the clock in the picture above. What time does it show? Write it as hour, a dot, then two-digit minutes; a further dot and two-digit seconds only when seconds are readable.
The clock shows 12.16
